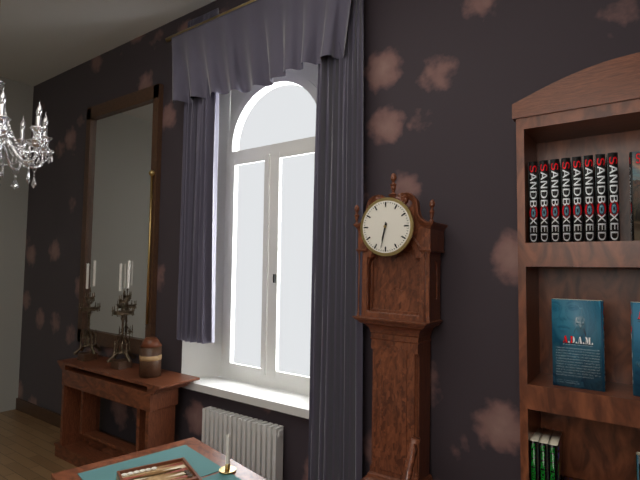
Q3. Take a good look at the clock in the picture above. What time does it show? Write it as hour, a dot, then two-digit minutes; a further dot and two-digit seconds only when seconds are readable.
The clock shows 6.32
